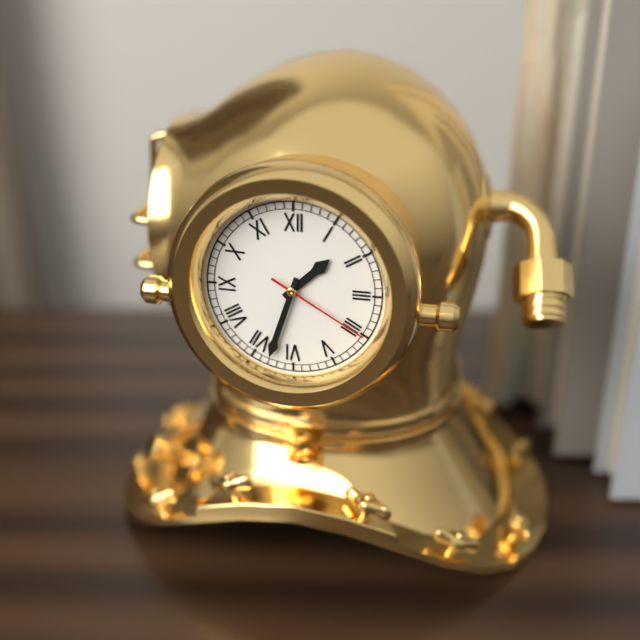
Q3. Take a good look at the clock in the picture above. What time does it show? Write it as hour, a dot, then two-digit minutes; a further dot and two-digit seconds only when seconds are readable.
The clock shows 1.33.20
